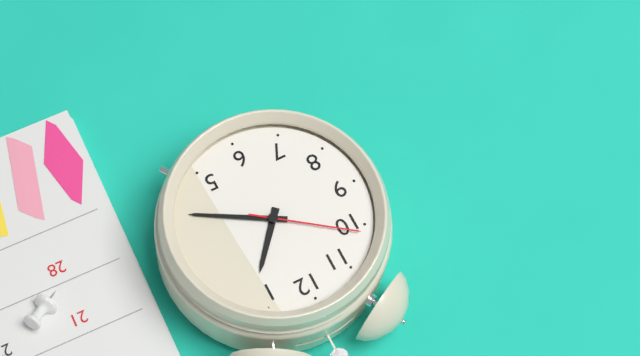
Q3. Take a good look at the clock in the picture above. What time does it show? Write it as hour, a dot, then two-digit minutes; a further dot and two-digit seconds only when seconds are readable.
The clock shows 1.20.51
